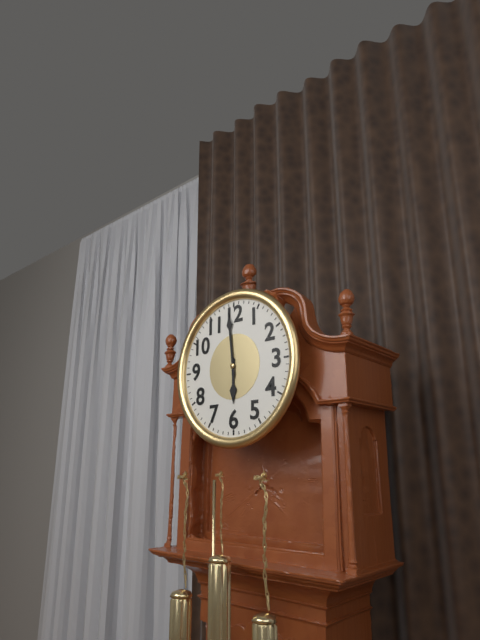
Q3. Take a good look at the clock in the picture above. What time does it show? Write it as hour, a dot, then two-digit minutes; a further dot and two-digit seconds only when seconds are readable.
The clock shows 5.59
